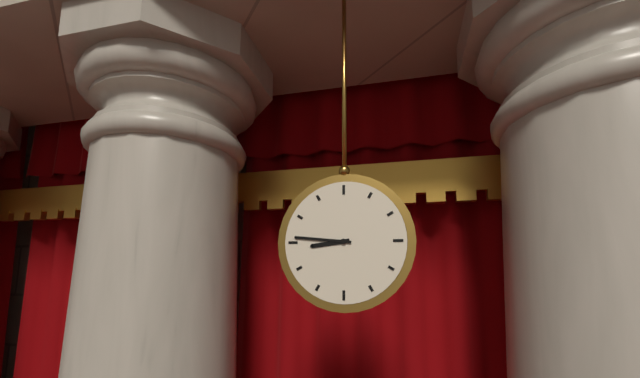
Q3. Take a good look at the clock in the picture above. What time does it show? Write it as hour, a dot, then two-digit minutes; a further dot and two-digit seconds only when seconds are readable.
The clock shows 8.46
